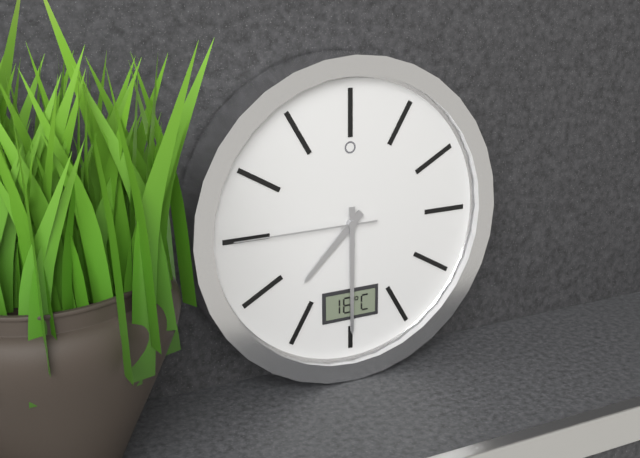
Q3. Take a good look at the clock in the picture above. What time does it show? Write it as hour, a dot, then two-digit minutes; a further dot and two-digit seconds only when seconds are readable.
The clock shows 7.30.45
